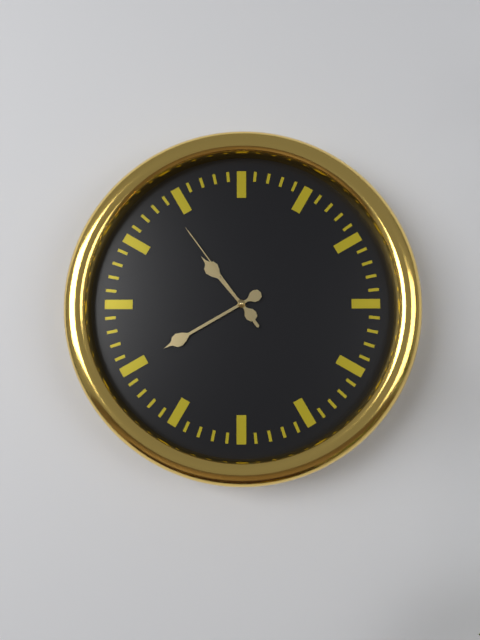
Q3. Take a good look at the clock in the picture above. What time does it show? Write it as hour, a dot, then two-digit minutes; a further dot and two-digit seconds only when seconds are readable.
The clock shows 10.40.54
